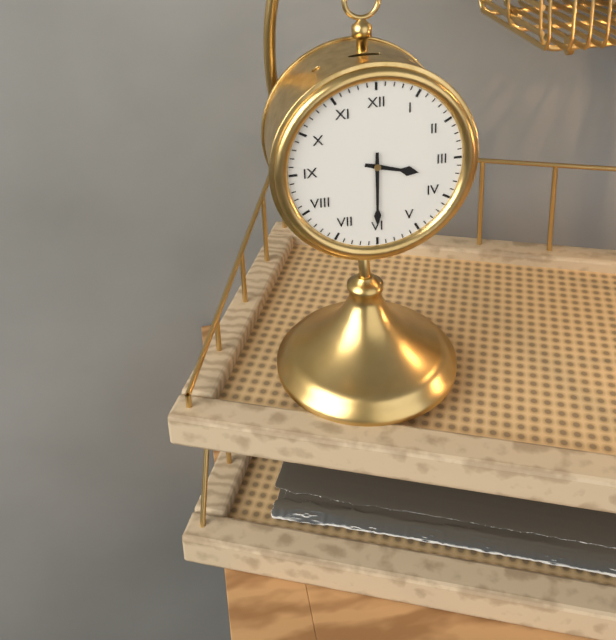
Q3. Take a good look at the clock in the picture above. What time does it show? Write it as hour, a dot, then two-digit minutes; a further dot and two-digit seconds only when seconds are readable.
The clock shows 3.30
